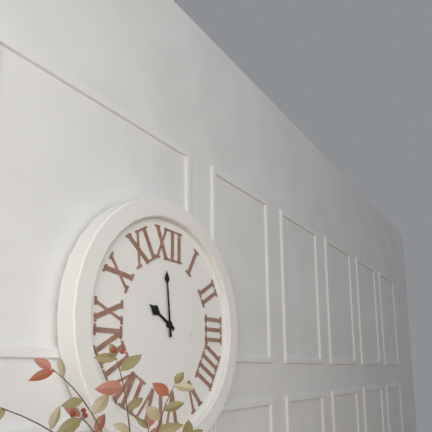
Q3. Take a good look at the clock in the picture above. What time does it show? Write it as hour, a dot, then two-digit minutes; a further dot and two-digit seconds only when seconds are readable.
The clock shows 9.59
